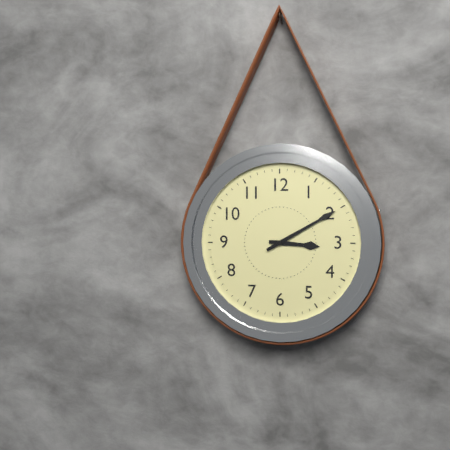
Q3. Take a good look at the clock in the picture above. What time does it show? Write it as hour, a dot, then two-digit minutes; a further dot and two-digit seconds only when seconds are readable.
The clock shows 3.10
